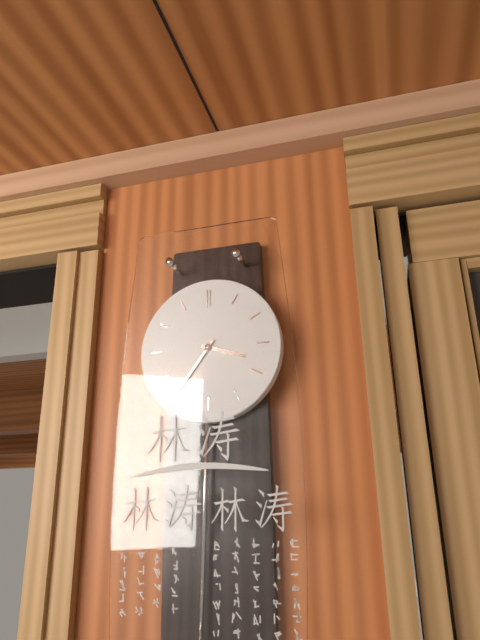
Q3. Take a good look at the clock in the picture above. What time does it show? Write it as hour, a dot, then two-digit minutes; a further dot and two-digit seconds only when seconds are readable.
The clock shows 3.36
